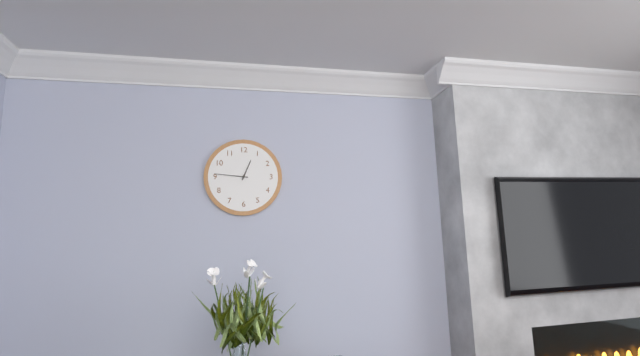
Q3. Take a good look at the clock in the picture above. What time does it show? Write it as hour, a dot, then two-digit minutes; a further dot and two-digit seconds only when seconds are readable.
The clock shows 12.46
